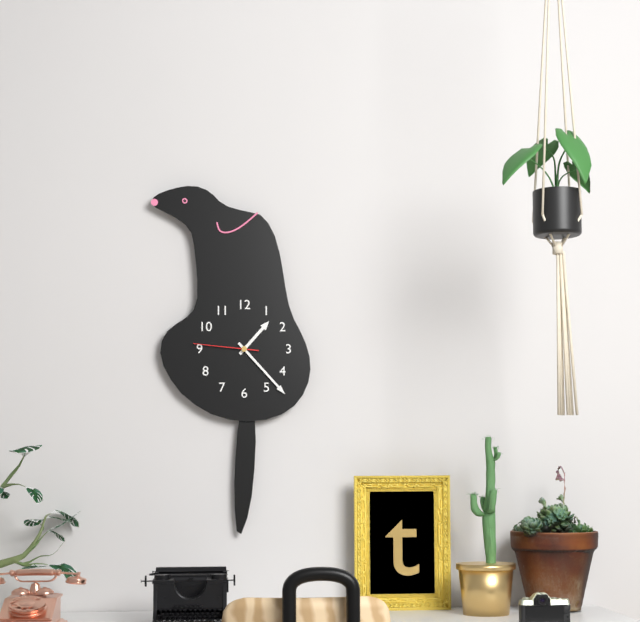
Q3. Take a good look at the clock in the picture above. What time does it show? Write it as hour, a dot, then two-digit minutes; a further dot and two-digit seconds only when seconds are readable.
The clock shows 1.23.46
